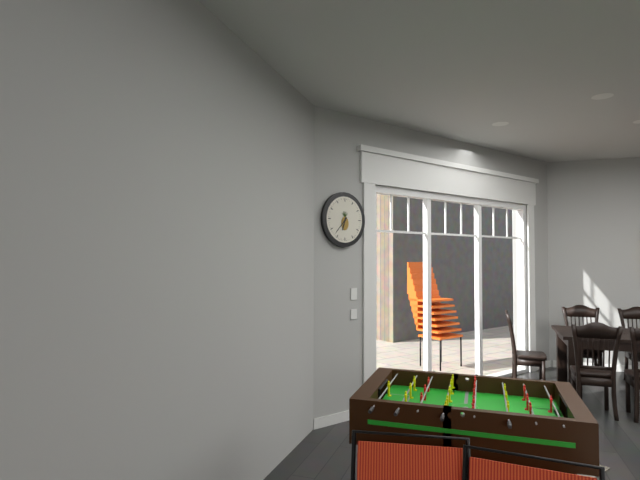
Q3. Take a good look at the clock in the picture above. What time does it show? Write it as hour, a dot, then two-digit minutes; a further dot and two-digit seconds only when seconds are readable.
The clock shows 6.37
